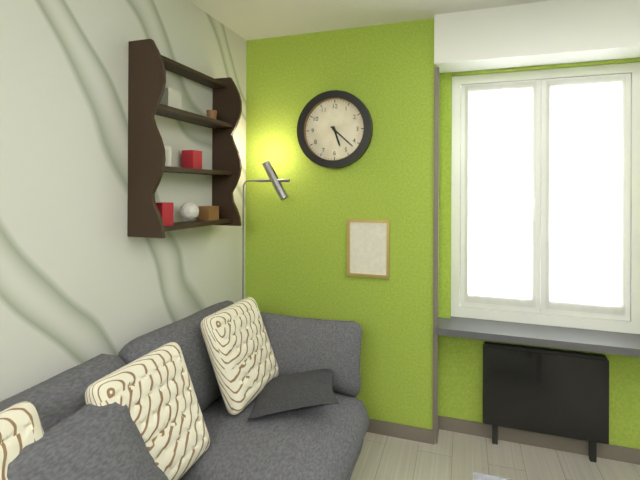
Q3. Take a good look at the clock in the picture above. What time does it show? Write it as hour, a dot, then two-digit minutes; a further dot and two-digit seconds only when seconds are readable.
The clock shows 5.22
